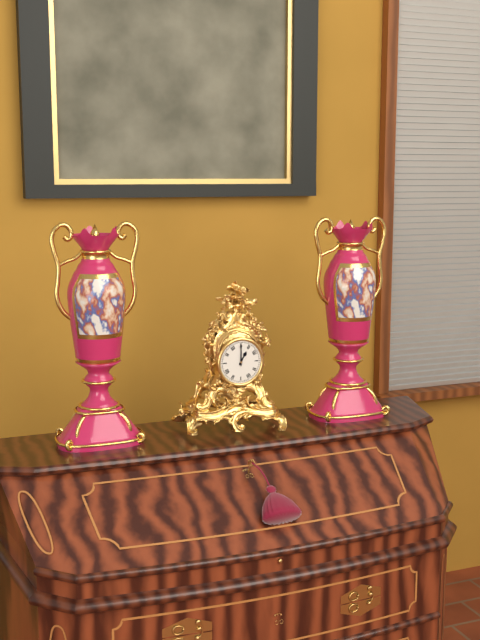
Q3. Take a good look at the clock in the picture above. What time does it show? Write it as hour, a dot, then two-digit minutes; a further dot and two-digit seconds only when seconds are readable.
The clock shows 1.00
